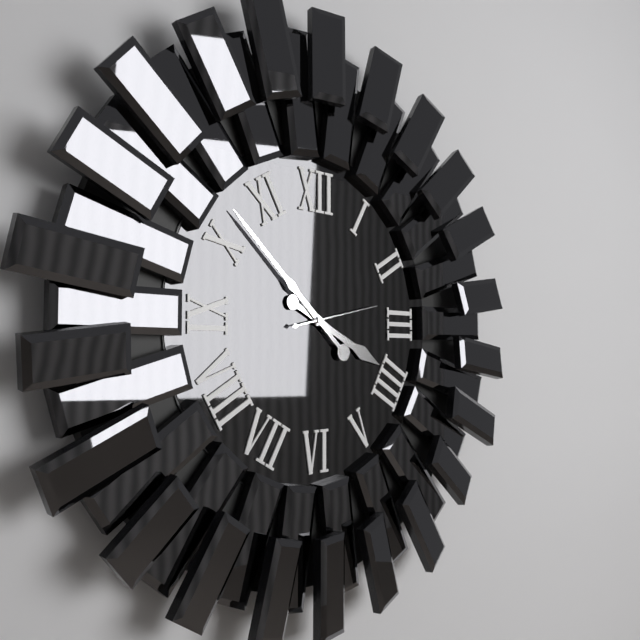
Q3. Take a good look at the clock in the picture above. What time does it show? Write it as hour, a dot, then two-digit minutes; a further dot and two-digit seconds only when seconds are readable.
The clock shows 3.52.13
